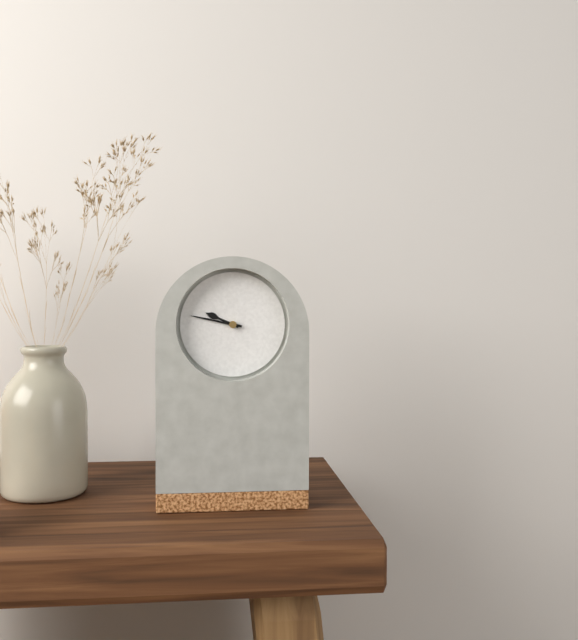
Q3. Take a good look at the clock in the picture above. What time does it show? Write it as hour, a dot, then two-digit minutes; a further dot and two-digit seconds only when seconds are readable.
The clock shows 9.47
